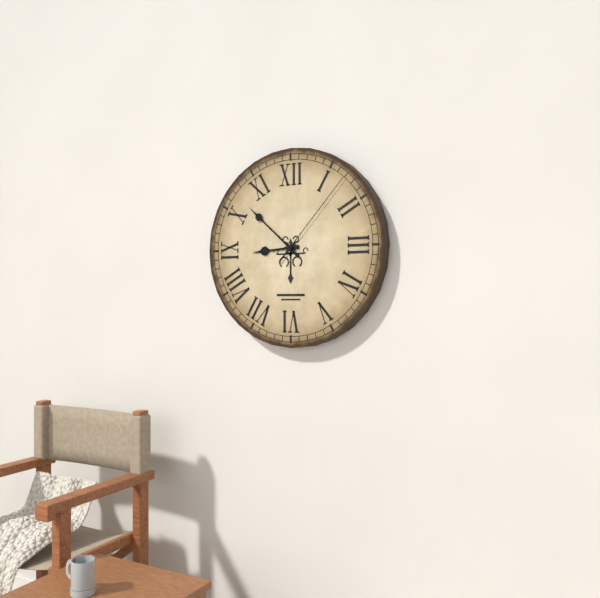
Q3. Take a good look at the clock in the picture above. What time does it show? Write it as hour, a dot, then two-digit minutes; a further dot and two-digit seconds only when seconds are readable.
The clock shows 8.52.07
